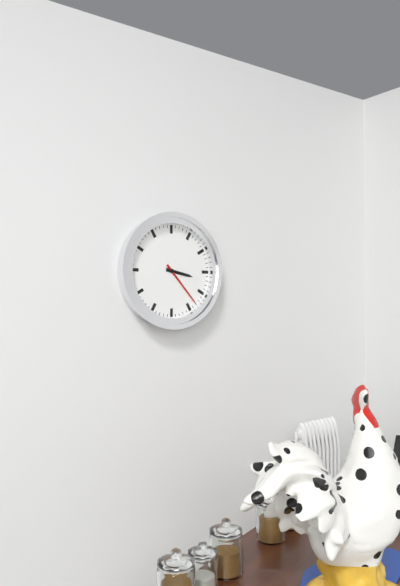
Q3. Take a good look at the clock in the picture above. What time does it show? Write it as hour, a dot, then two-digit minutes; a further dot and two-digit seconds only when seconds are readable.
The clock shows 3.23
